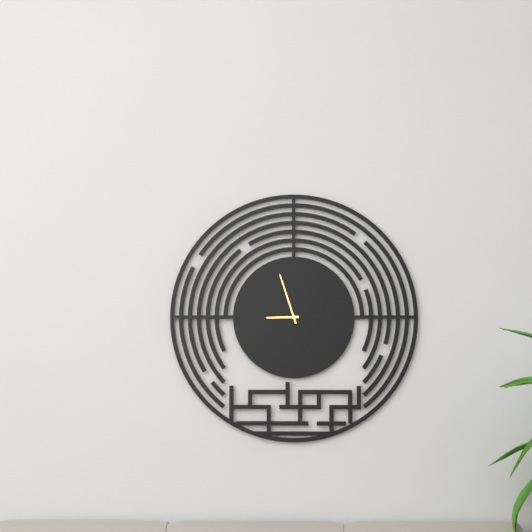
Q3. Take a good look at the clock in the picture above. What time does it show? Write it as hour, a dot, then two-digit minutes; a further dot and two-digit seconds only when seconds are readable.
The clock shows 8.57
